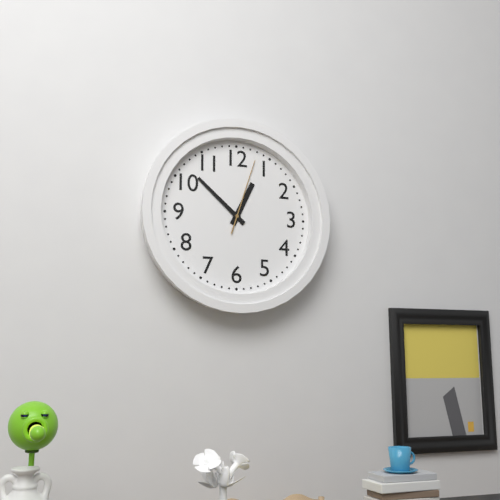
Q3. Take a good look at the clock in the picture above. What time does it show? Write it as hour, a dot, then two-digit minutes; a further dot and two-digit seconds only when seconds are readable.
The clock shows 12.52.03
